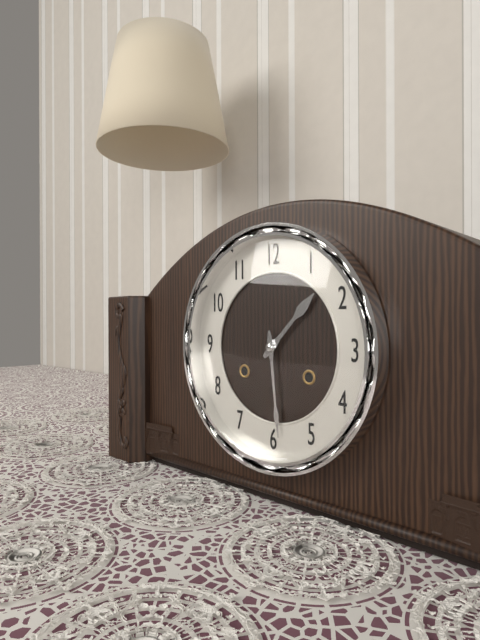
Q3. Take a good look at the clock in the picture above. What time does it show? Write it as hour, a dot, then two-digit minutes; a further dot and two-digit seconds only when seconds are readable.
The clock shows 1.29
